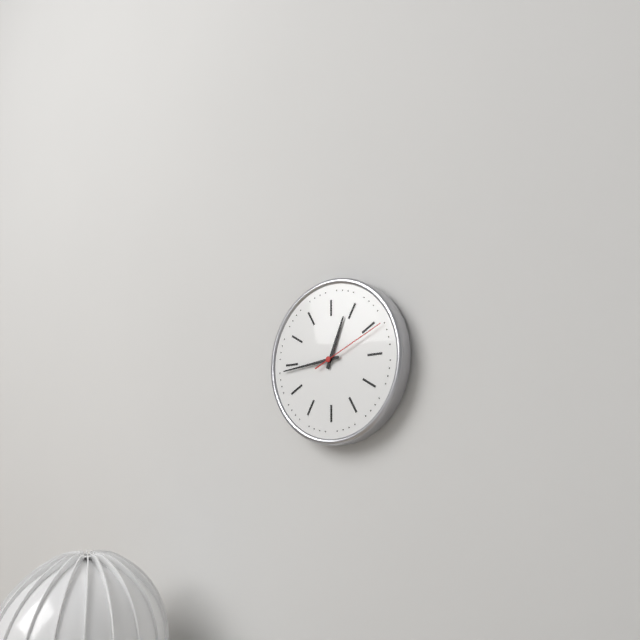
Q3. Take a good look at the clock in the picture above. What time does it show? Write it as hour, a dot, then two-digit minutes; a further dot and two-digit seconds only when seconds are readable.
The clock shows 12.44.11
